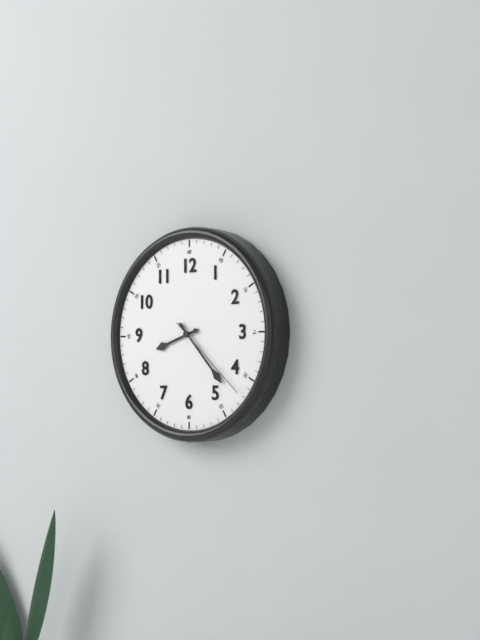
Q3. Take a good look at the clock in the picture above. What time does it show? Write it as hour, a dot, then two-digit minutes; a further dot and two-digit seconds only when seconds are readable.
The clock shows 8.23.22
